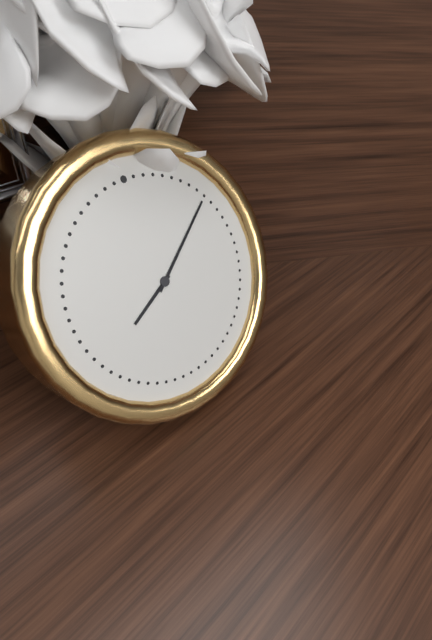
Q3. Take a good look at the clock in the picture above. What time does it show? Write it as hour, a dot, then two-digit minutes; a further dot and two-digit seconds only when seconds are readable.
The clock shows 8.09
